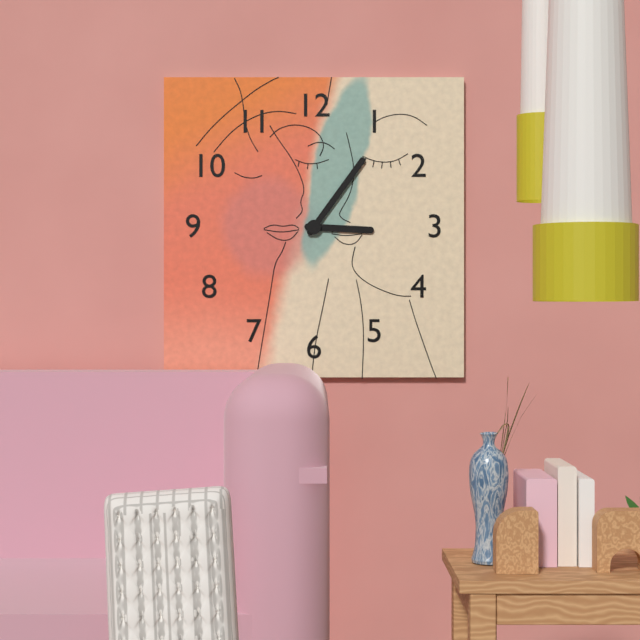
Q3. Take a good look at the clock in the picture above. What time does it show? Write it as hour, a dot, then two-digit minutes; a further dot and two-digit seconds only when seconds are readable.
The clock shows 3.06
